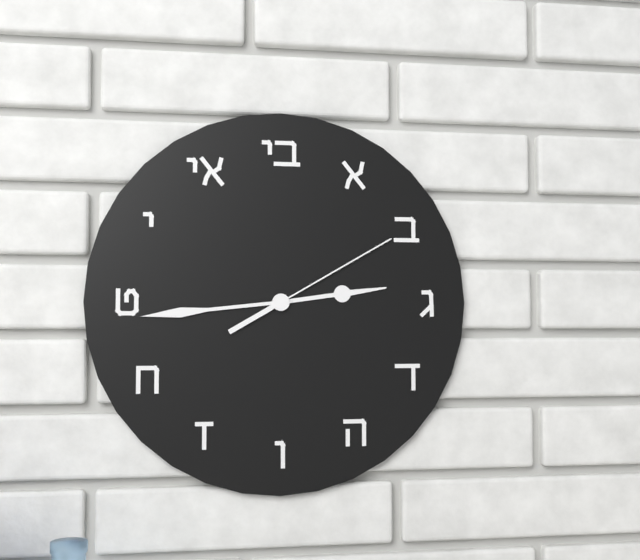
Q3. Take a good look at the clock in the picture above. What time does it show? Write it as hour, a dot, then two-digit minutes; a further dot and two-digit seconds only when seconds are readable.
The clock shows 2.44.10
